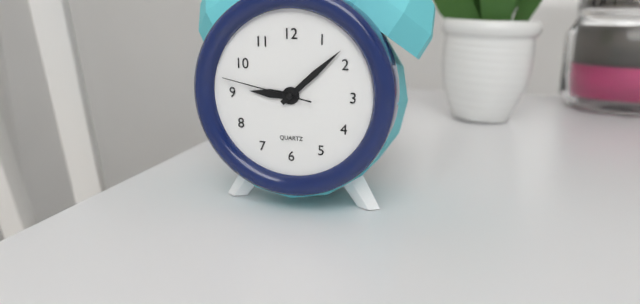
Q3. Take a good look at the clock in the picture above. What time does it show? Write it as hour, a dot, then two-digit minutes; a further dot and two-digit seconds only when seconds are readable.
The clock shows 9.08.47
